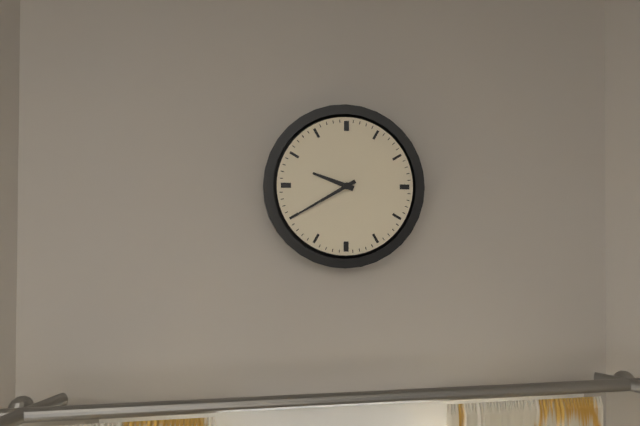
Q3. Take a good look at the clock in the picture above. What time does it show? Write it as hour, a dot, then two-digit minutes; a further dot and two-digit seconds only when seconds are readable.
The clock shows 9.40
